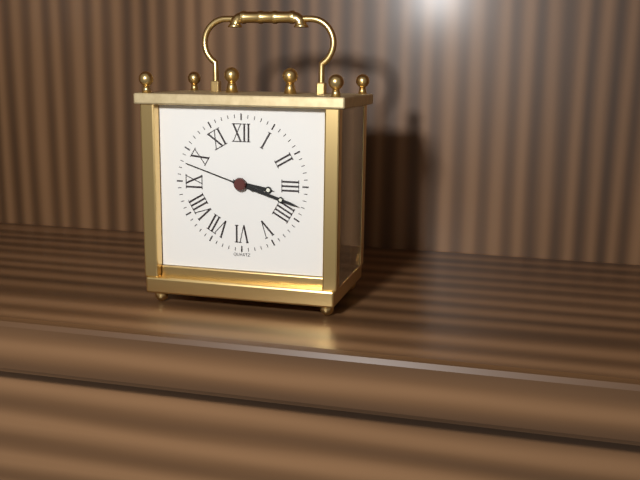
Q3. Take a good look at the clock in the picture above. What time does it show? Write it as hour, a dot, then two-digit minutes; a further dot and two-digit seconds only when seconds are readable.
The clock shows 3.18.48
